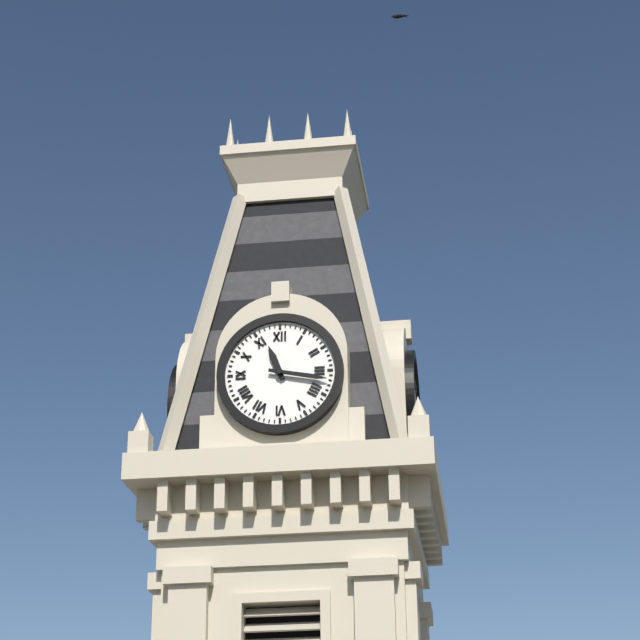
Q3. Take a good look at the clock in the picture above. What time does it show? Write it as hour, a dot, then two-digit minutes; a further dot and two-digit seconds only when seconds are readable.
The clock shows 11.17
